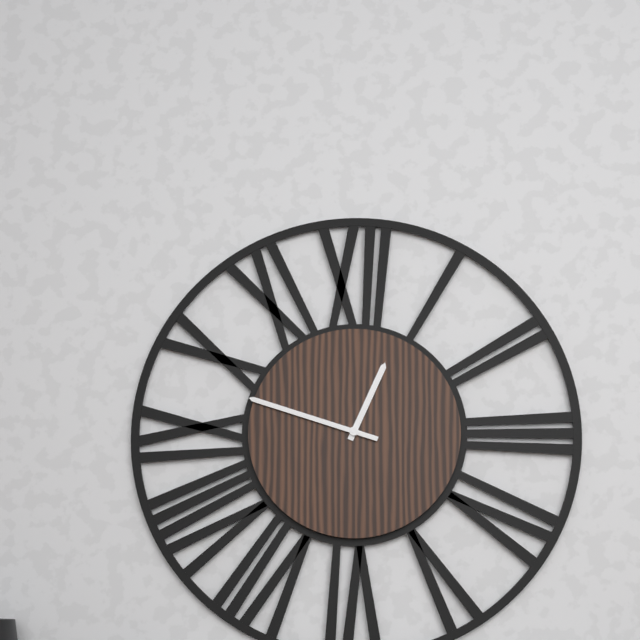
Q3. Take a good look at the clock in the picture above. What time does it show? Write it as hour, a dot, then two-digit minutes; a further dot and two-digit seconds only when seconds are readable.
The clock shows 12.48
